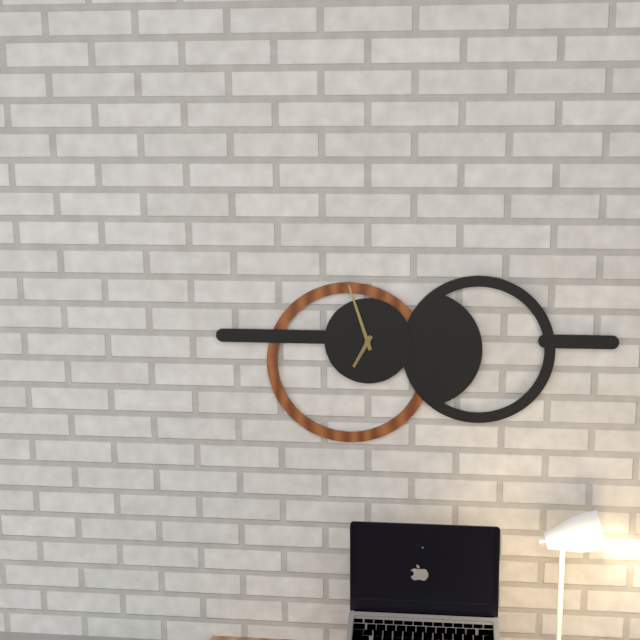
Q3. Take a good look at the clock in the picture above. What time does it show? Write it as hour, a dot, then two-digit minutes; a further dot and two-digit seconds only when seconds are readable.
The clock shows 6.57
